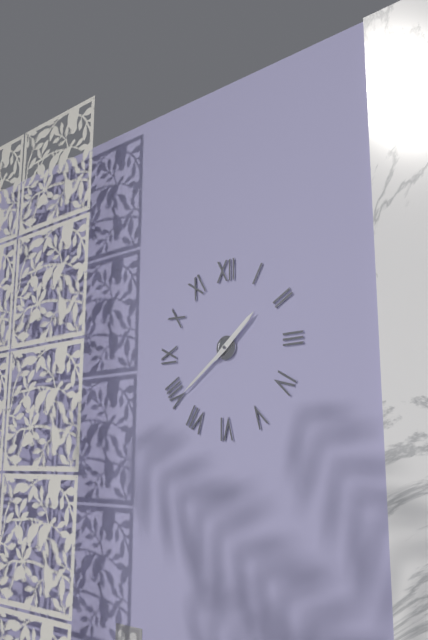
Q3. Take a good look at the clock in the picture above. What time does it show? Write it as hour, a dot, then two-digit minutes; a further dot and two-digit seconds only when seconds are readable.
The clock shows 1.39
